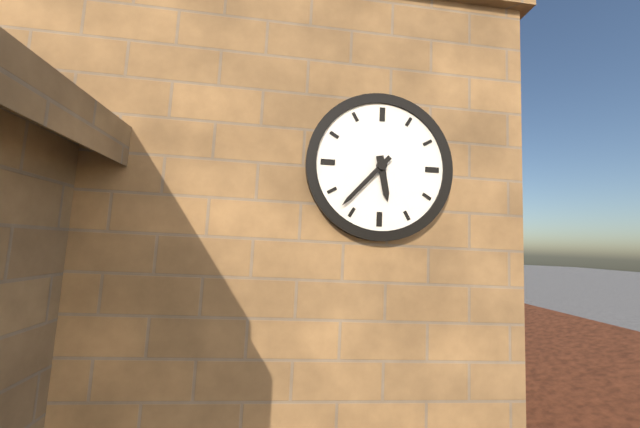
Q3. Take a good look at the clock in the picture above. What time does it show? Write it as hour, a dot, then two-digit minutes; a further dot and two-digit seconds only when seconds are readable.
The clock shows 5.37
